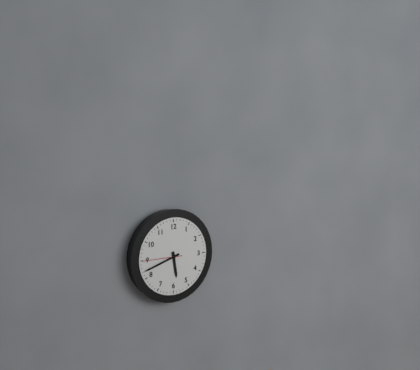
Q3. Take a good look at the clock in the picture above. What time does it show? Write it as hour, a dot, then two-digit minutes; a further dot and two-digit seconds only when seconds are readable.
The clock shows 5.42
